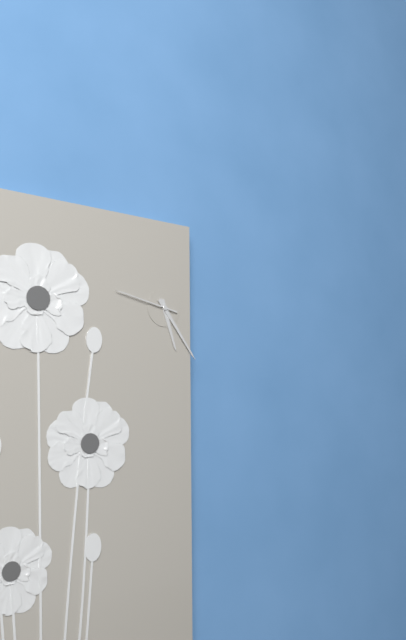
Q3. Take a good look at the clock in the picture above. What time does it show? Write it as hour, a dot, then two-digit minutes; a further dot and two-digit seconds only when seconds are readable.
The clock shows 5.24.47
